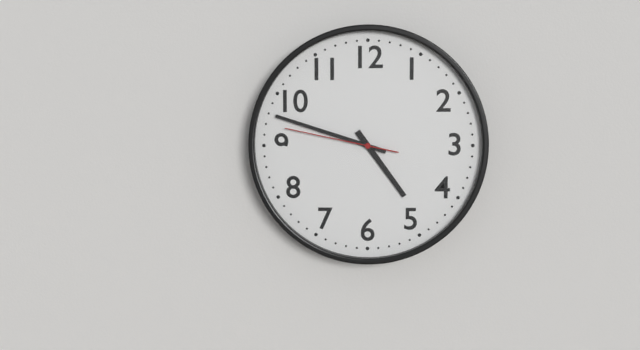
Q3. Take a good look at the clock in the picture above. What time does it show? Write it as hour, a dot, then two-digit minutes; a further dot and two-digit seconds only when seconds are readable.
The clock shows 4.48.47
